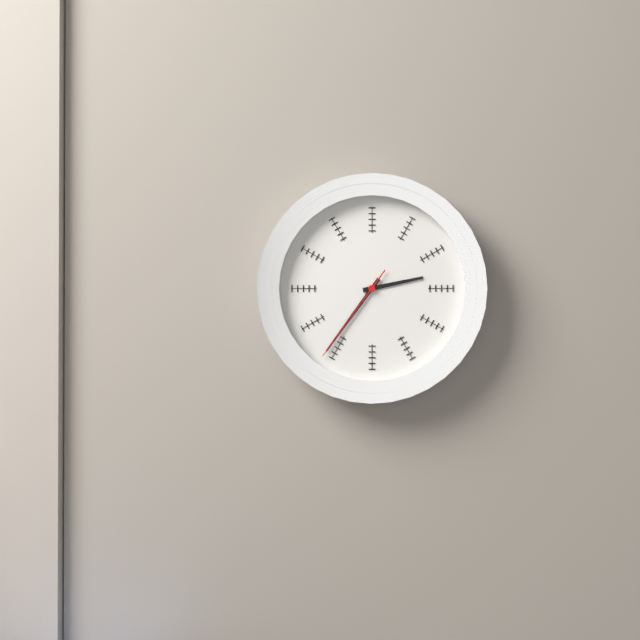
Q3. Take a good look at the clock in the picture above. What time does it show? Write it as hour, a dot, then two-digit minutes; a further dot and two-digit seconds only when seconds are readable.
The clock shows 2.36.36
